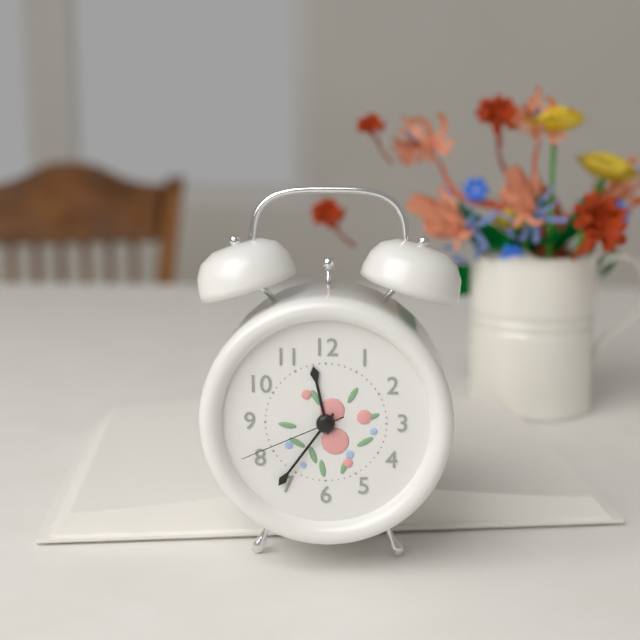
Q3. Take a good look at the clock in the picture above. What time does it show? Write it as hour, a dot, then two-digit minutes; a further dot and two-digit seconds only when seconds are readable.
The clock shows 11.36.41
